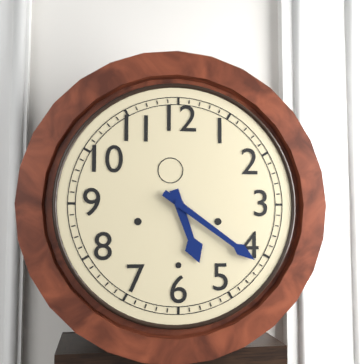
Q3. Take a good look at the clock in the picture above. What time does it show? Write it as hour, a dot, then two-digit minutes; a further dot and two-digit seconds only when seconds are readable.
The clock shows 5.21
